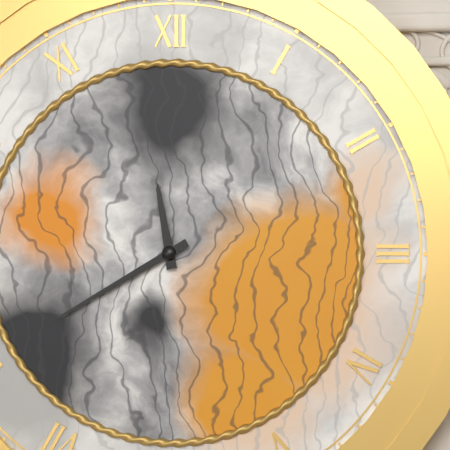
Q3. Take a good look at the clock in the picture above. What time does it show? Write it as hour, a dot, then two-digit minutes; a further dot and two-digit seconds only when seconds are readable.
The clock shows 11.40
